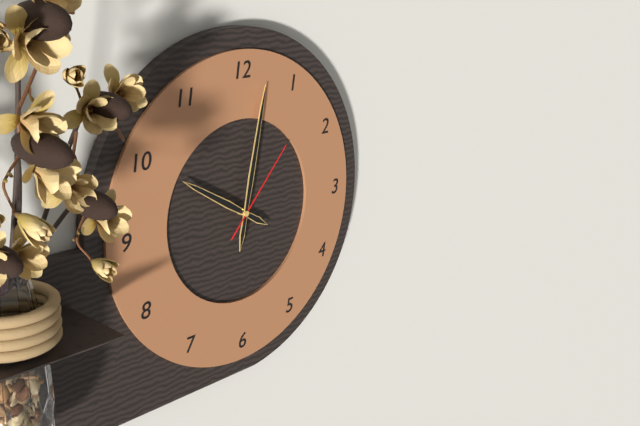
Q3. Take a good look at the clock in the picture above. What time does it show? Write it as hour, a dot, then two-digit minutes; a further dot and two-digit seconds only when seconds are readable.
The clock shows 10.02.07
